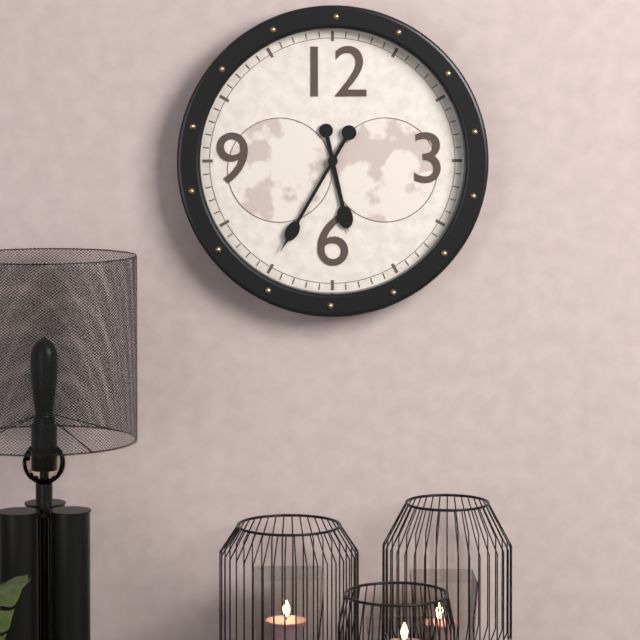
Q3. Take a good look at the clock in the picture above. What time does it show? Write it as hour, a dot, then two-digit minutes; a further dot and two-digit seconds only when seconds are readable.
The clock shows 5.35
